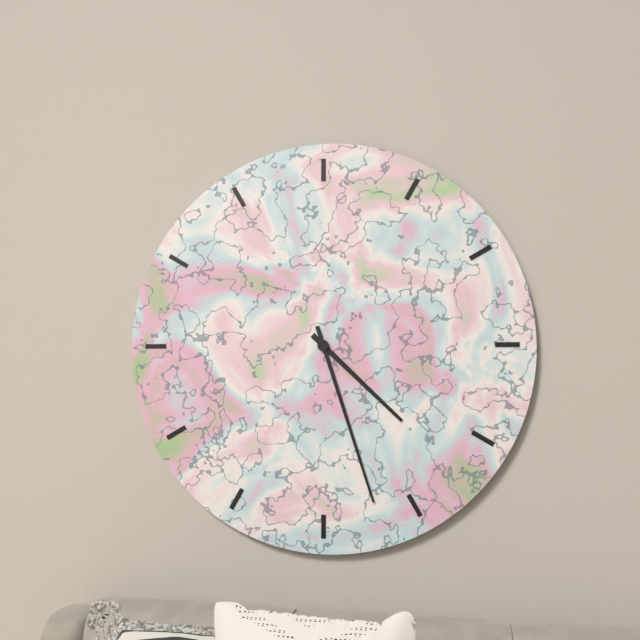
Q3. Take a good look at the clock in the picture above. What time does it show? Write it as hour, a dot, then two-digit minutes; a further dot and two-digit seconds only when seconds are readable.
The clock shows 4.27
